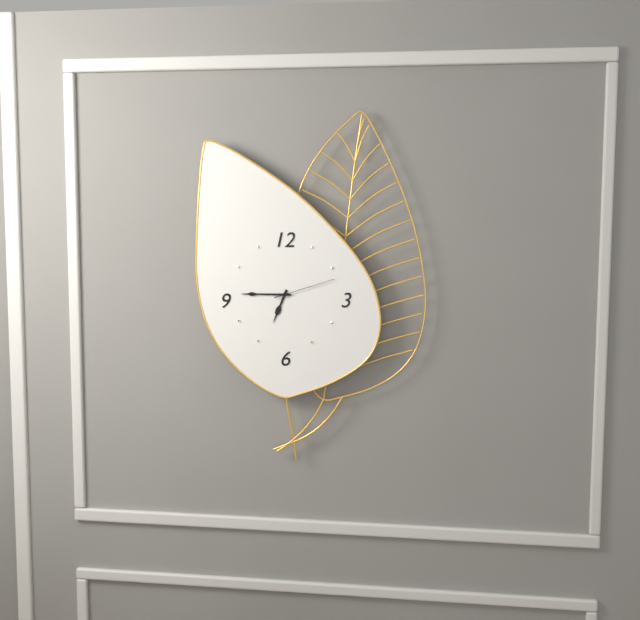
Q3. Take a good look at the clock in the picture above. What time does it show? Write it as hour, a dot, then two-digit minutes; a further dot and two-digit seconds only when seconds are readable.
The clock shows 6.45.12
